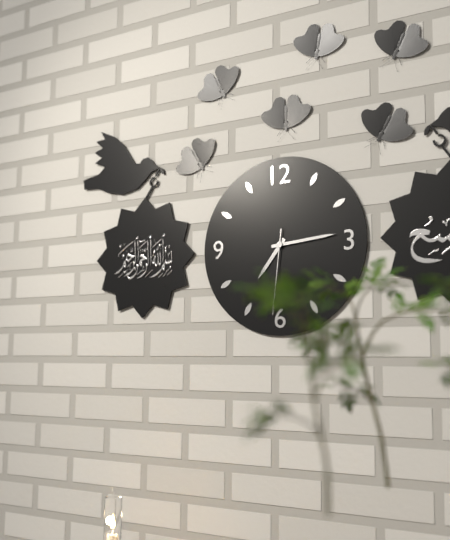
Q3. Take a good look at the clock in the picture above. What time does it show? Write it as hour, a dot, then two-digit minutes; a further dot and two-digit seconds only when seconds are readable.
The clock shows 7.14.31
